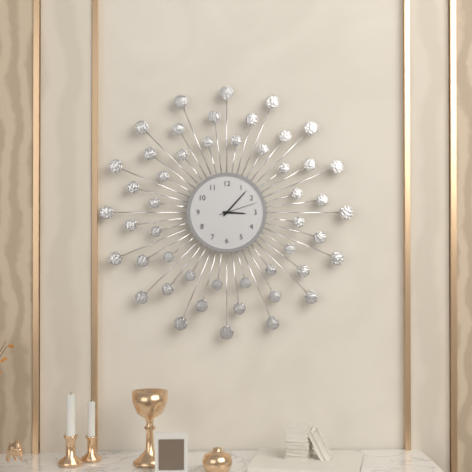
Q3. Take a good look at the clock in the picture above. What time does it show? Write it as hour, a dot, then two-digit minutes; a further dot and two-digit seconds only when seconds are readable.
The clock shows 3.07
